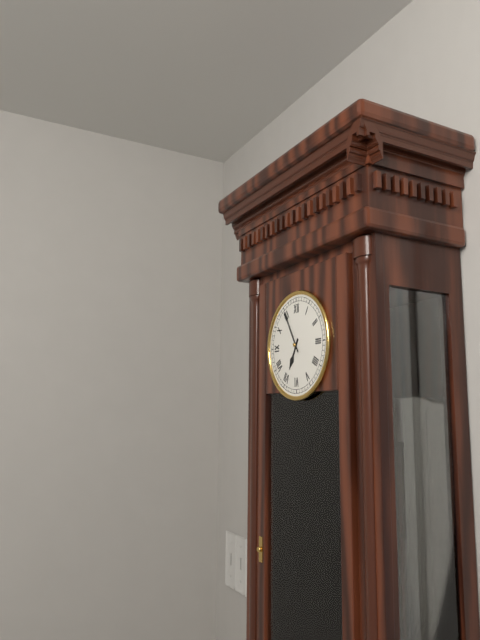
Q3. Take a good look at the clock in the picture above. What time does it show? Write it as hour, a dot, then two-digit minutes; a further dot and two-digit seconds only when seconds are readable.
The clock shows 6.55
